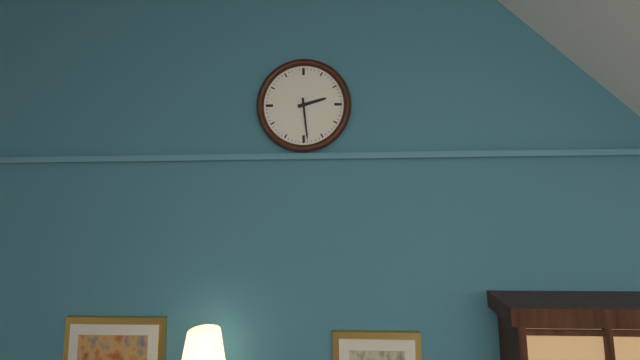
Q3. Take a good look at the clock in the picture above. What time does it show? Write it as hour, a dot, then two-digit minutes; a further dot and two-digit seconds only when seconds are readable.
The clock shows 2.29
